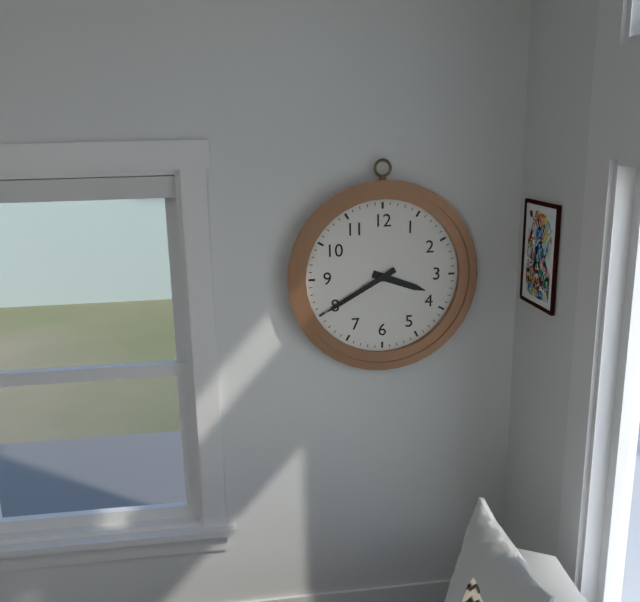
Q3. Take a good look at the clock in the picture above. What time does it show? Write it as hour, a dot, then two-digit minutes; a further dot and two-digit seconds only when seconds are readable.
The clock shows 3.40
